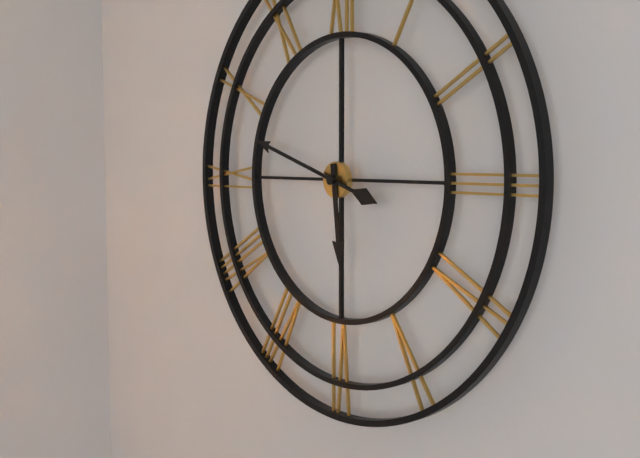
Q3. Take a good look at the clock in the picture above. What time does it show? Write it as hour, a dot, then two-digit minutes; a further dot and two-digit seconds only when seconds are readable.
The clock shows 5.48
